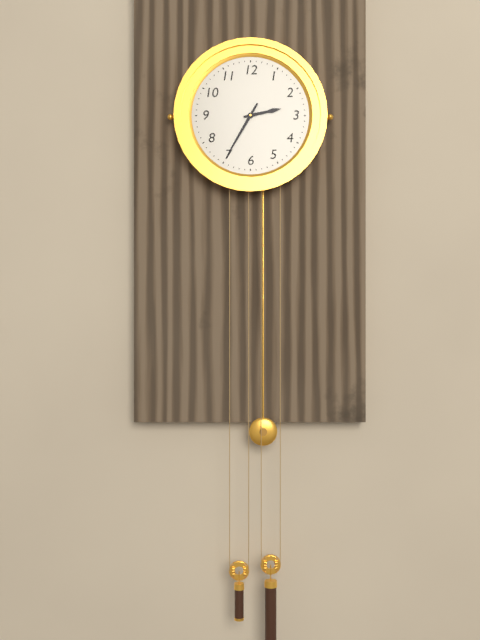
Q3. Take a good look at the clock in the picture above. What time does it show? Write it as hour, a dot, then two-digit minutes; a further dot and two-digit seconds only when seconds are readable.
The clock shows 2.35
